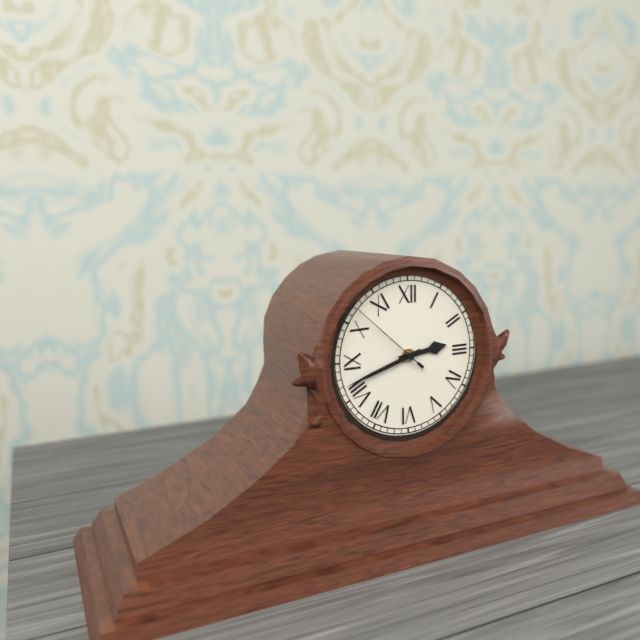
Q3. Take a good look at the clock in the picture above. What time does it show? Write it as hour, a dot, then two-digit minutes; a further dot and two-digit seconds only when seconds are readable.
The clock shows 2.42.52
